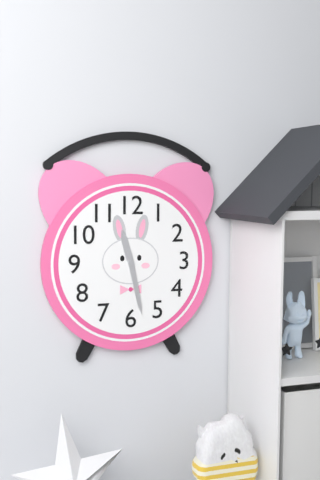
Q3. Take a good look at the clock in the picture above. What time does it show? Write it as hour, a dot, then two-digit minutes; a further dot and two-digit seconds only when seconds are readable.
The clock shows 11.28
